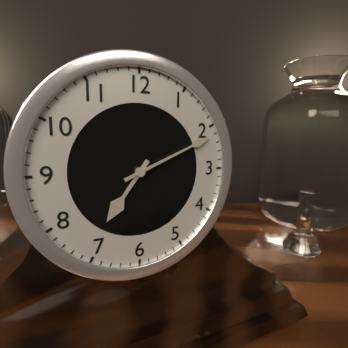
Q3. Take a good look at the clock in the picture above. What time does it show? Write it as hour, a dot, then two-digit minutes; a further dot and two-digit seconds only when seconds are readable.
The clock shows 7.11
